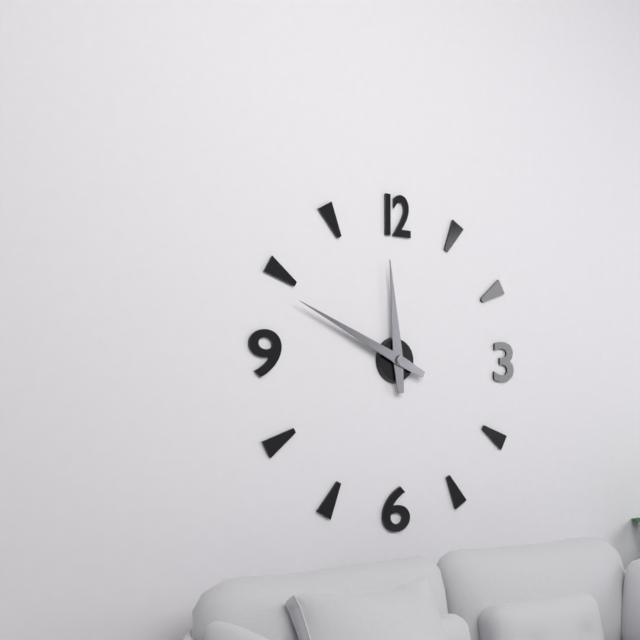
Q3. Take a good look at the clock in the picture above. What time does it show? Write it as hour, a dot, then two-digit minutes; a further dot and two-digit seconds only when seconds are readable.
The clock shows 11.49
